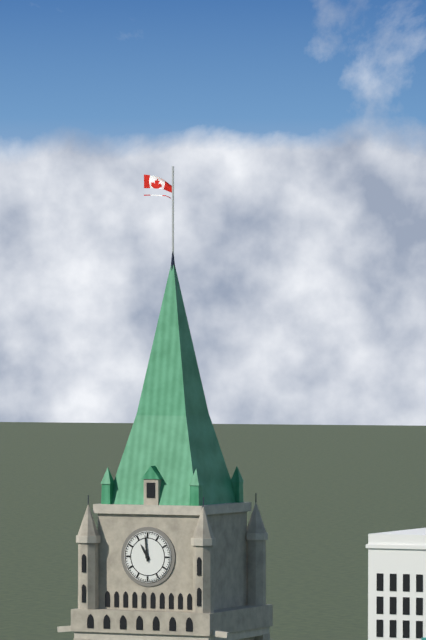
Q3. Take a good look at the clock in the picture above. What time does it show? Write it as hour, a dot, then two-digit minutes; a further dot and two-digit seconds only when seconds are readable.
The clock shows 10.59
